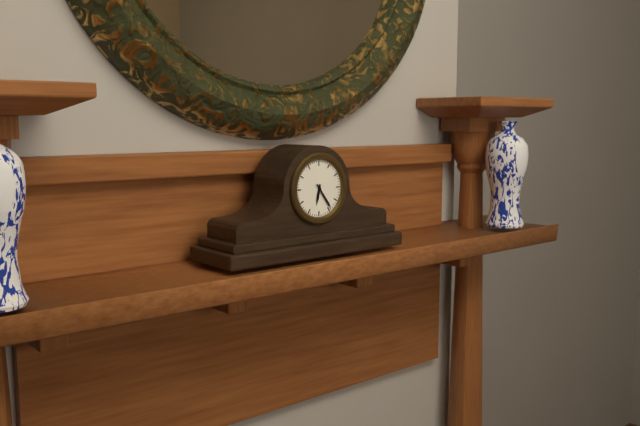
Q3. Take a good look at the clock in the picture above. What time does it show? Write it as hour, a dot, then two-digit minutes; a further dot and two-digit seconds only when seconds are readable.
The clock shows 6.24
